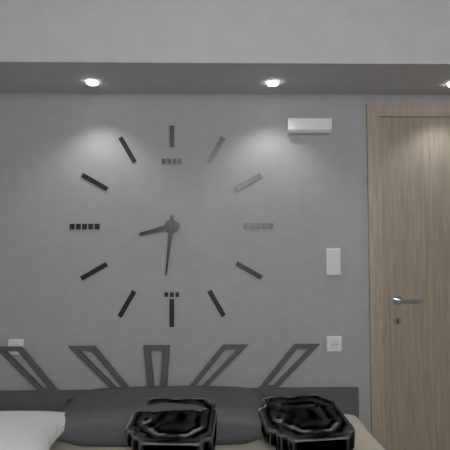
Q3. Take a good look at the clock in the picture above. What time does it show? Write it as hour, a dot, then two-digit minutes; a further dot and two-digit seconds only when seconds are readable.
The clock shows 8.31
